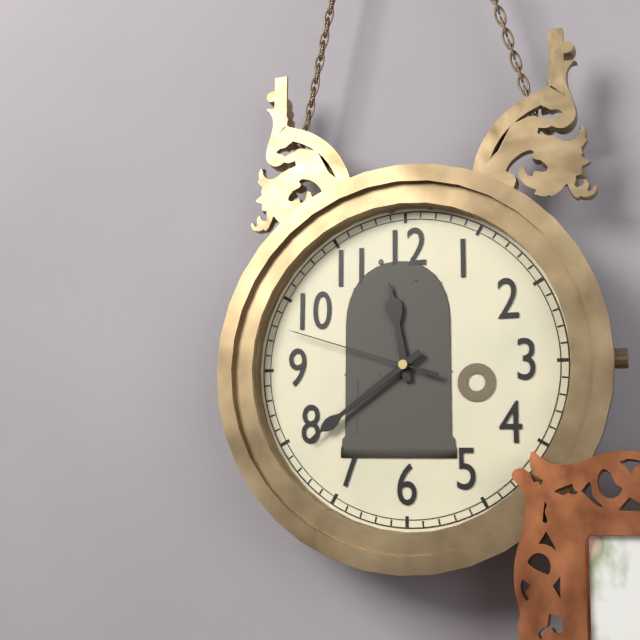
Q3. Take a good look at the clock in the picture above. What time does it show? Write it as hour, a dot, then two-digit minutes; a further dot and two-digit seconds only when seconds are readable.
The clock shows 11.39.48
